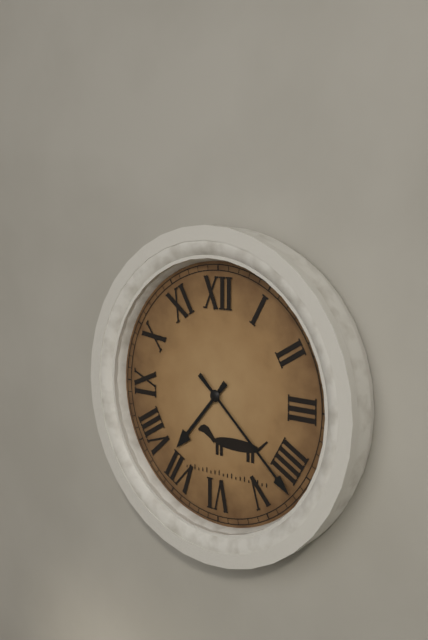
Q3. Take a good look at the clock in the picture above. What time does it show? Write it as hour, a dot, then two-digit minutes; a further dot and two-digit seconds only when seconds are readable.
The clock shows 7.22
